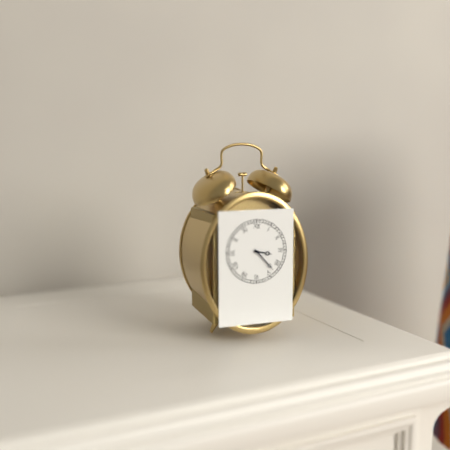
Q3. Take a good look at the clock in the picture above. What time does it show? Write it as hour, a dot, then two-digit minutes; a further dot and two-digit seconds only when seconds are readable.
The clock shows 3.23
